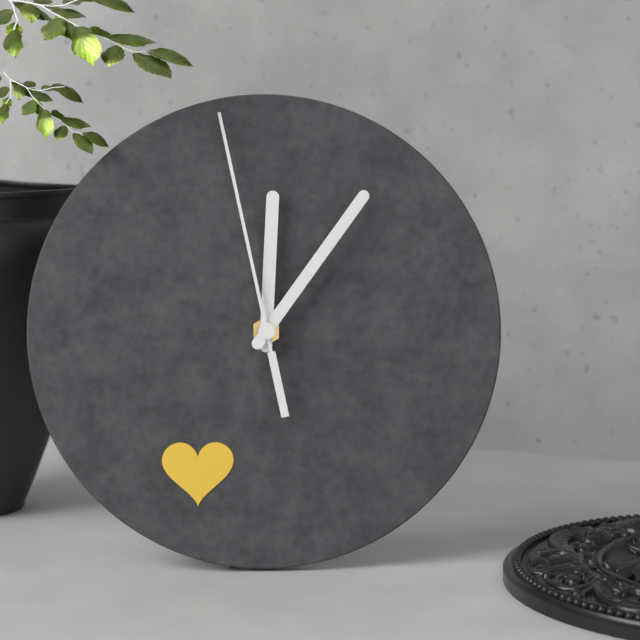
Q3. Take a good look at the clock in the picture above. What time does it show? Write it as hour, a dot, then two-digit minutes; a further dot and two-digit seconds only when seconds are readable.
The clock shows 12.06.58
